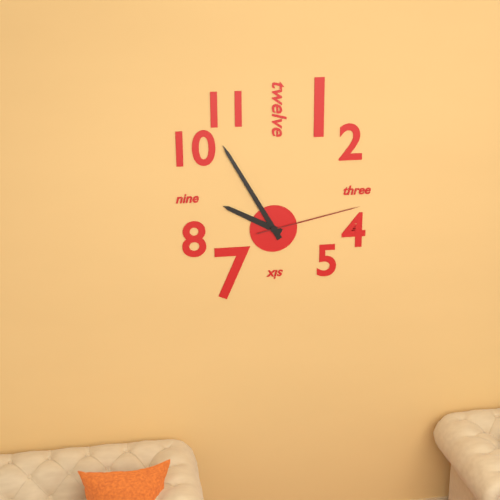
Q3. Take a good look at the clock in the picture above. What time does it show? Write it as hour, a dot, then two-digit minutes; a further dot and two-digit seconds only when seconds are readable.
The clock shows 9.55.13
